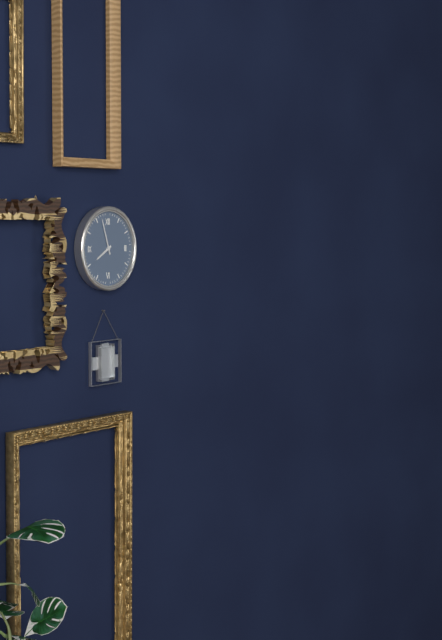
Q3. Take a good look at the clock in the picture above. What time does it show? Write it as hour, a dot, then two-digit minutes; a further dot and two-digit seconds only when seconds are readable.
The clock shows 7.57
